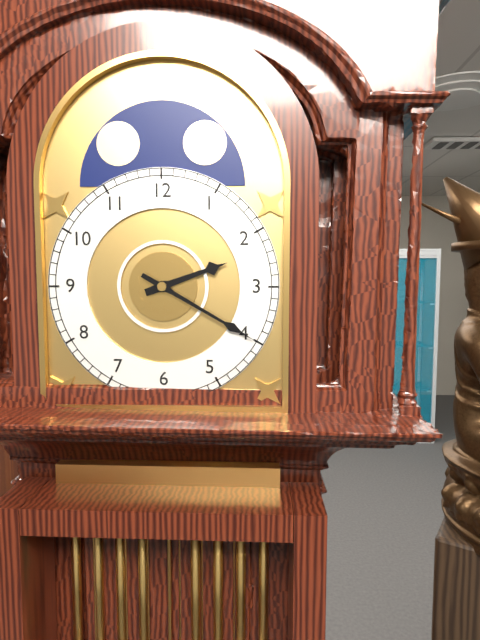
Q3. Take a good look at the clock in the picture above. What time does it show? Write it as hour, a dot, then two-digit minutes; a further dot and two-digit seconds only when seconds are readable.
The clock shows 2.20
